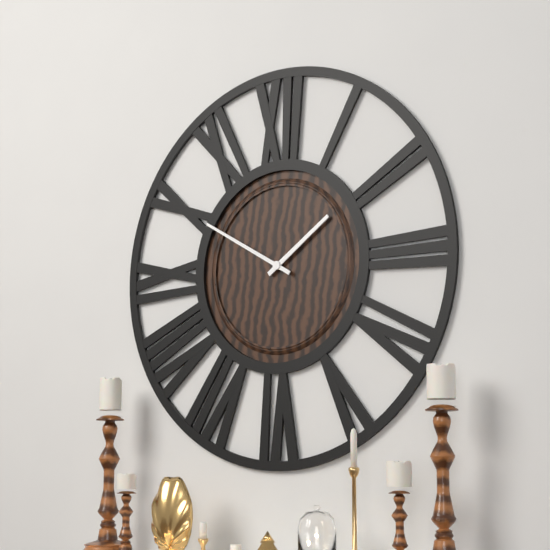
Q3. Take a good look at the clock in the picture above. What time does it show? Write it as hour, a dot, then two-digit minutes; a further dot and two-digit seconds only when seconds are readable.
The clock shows 1.50
